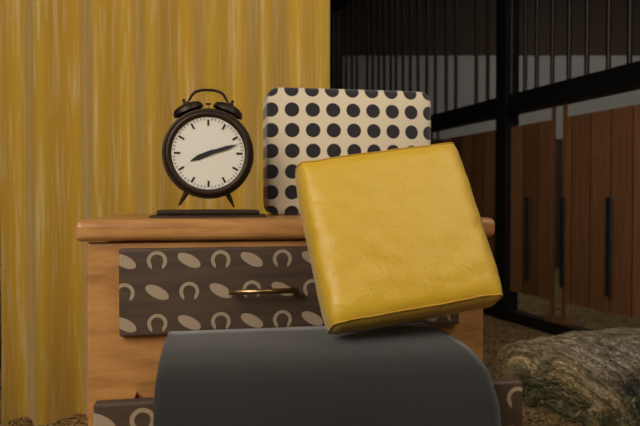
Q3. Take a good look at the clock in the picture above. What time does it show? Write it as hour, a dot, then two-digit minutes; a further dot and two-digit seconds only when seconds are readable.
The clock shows 8.12
